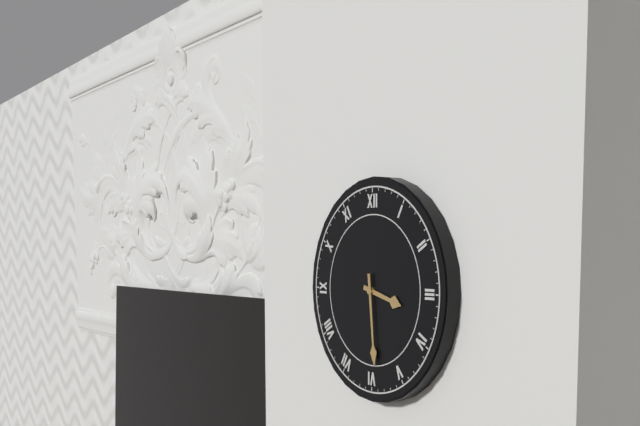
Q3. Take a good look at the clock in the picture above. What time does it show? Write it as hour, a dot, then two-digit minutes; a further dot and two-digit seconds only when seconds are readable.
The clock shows 3.29
